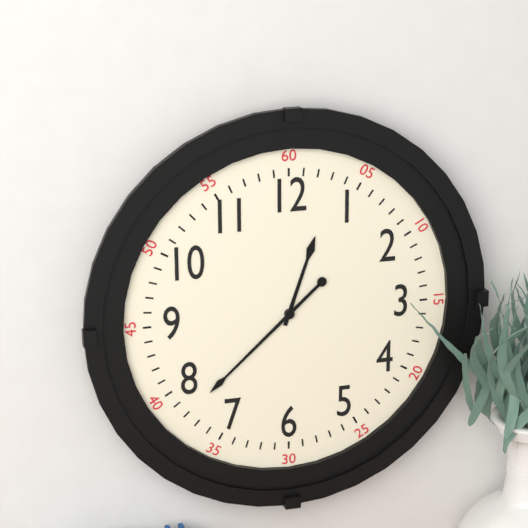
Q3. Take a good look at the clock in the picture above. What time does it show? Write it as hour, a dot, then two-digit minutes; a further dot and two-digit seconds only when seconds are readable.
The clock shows 12.38
